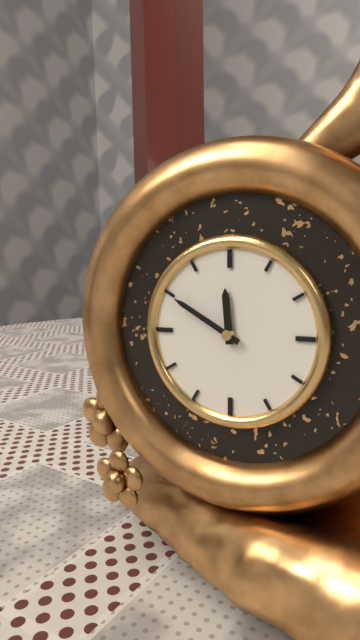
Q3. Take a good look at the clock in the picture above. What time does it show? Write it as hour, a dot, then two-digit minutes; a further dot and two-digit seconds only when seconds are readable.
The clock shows 11.50
